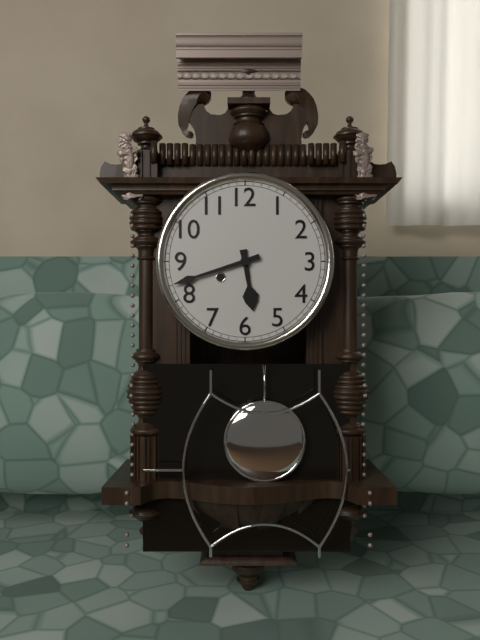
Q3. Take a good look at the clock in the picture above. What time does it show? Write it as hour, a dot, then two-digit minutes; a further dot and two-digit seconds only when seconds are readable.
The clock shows 5.42
